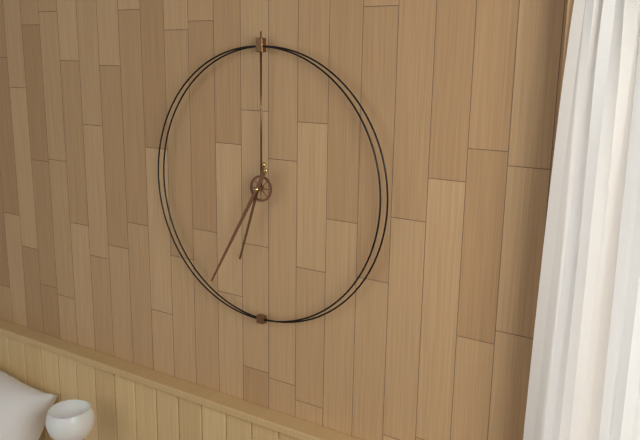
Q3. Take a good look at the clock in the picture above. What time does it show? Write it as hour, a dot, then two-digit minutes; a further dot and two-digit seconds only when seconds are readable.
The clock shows 6.35
